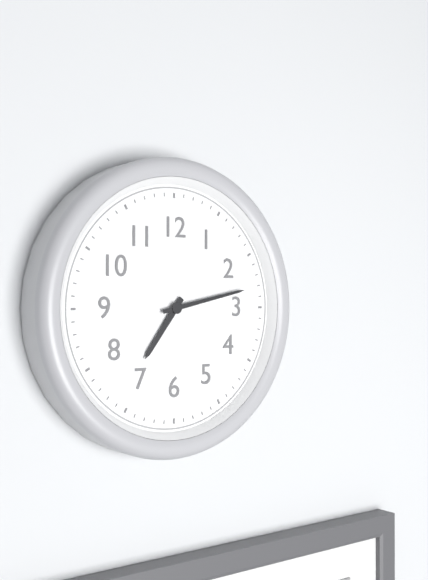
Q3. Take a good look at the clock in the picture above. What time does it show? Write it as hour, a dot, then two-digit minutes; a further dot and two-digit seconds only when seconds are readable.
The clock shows 7.13
